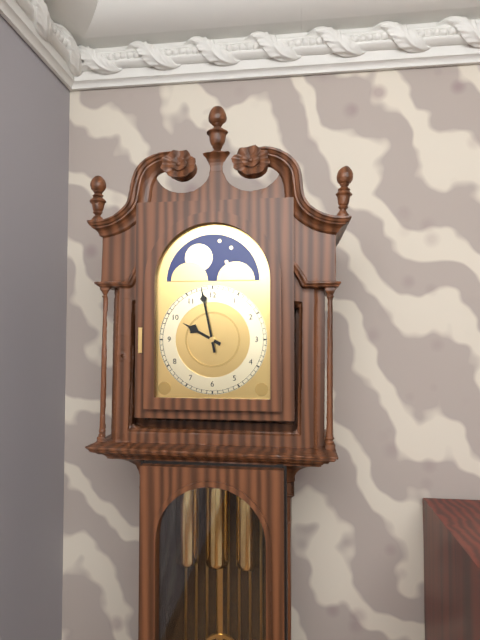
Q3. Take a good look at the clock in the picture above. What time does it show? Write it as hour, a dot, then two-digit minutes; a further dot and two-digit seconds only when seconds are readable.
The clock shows 9.58
